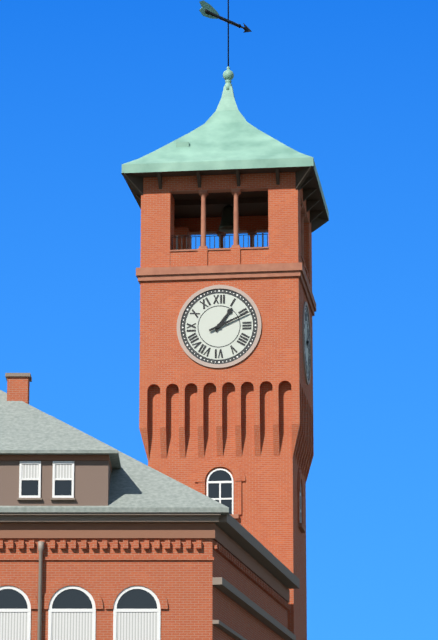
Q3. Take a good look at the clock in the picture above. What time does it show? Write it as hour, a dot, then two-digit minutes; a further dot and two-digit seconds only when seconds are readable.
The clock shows 1.11
